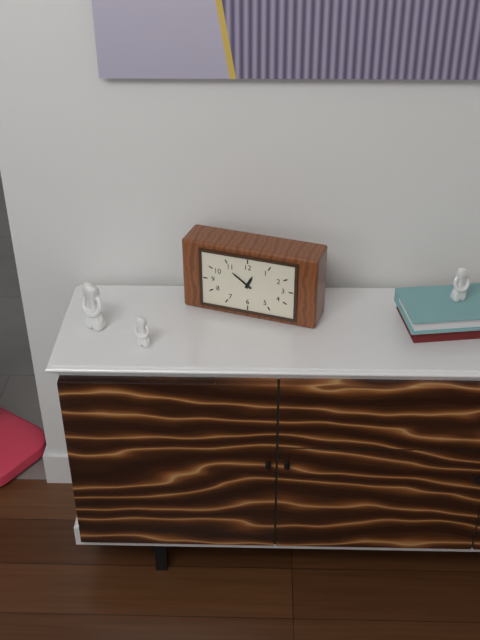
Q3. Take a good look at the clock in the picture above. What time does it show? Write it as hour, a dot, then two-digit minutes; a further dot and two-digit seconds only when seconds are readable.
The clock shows 12.51
